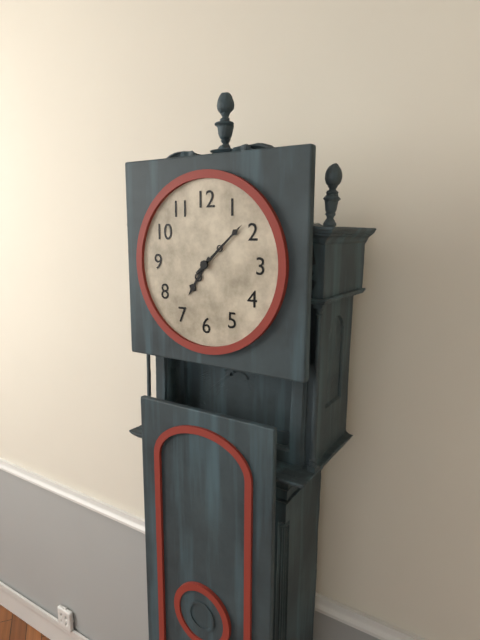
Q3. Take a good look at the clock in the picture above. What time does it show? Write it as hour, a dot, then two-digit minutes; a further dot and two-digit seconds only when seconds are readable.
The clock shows 7.08
